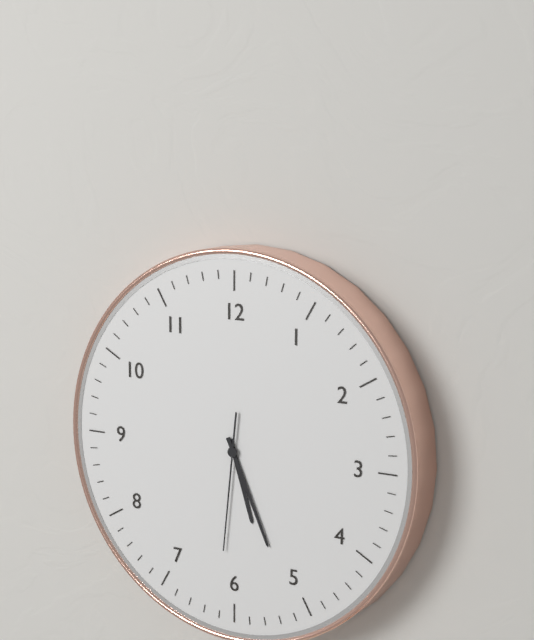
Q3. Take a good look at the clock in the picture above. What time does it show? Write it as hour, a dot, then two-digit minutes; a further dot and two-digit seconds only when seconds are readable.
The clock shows 5.26.31
